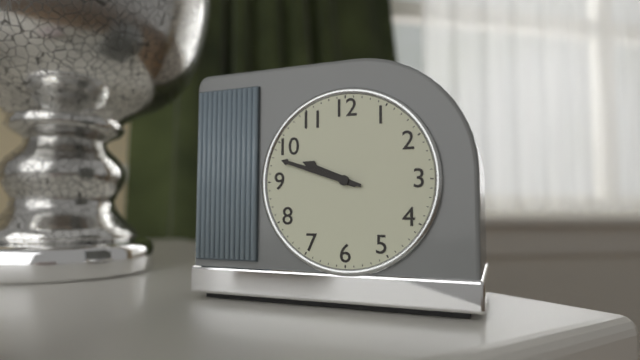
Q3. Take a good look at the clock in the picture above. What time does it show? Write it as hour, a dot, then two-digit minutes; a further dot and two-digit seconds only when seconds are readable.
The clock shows 9.48
